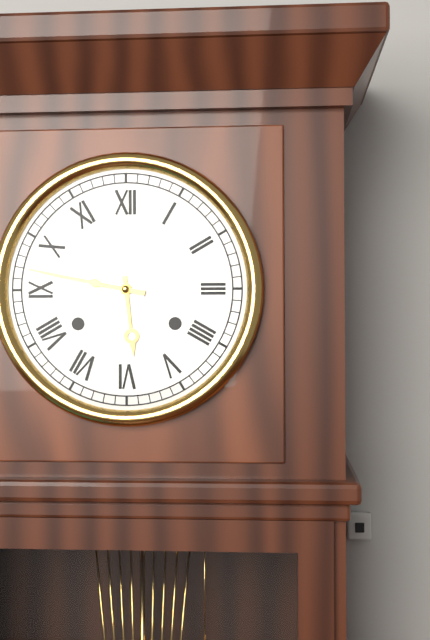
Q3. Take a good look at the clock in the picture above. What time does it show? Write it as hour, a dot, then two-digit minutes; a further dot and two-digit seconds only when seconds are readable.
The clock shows 5.47
